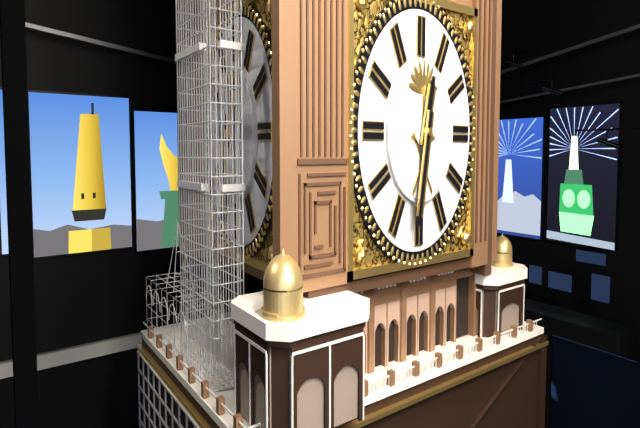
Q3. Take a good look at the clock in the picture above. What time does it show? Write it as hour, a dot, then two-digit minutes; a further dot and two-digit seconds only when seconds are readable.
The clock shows 12.32
